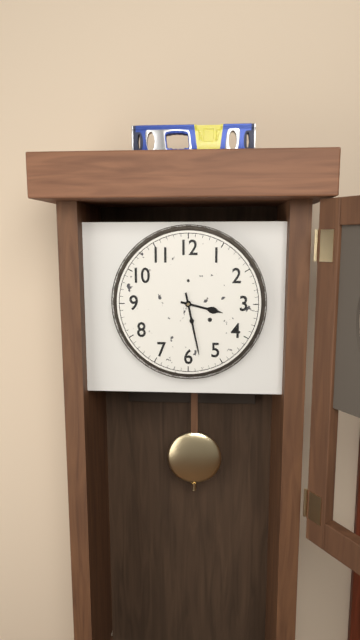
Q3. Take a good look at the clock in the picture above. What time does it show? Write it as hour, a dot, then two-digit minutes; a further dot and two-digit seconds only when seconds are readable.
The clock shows 3.28
